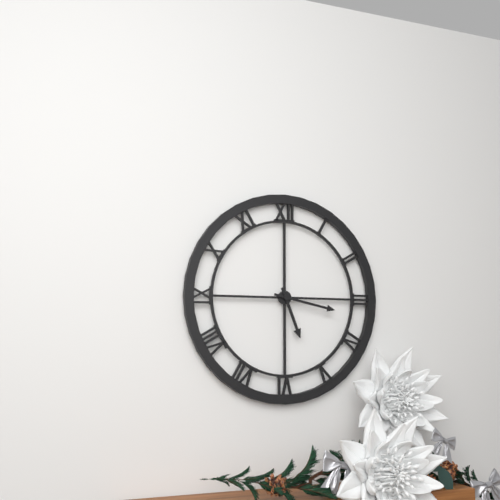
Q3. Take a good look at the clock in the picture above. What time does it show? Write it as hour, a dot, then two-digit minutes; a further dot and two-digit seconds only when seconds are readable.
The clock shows 5.17
